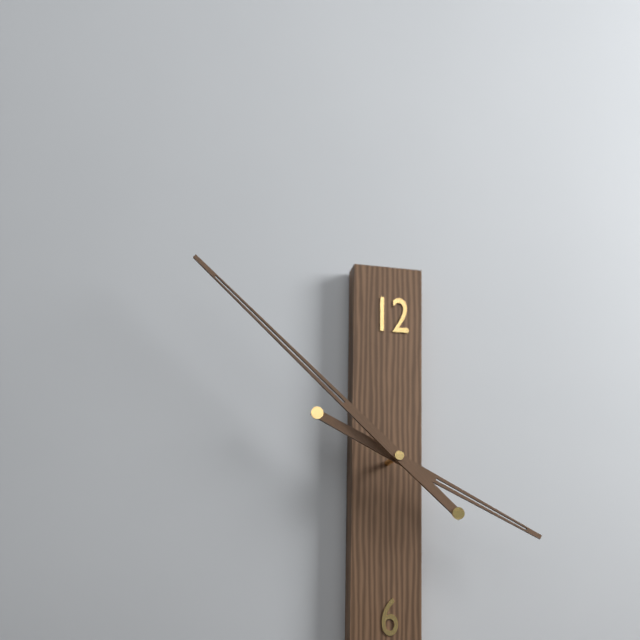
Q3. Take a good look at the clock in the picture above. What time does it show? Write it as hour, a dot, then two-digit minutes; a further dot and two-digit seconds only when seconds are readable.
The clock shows 3.52
